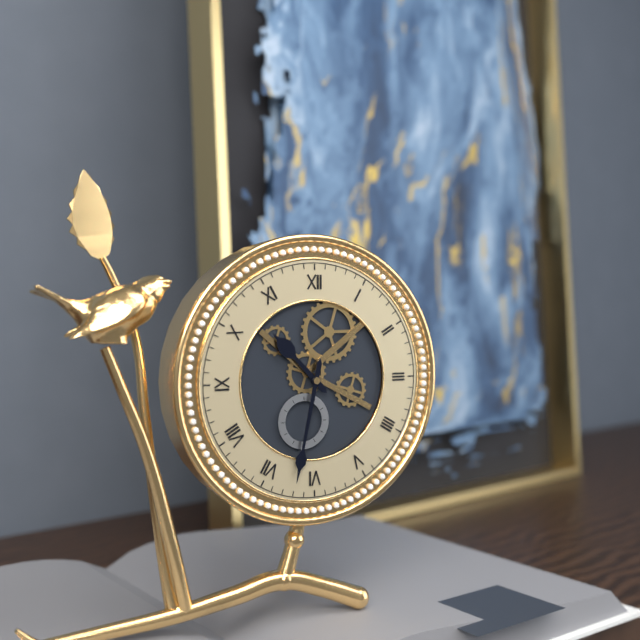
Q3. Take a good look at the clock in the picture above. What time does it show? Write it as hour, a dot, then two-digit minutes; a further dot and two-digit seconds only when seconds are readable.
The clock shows 10.32
